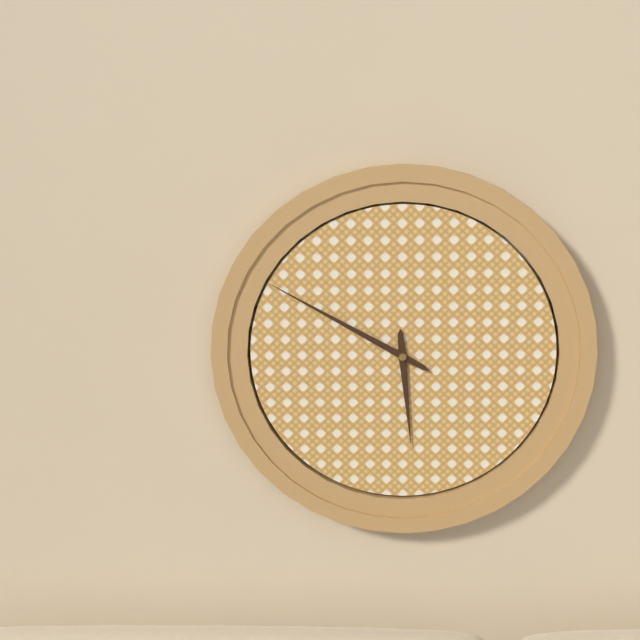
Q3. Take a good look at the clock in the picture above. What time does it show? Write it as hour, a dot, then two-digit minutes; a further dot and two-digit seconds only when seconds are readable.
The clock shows 5.50
